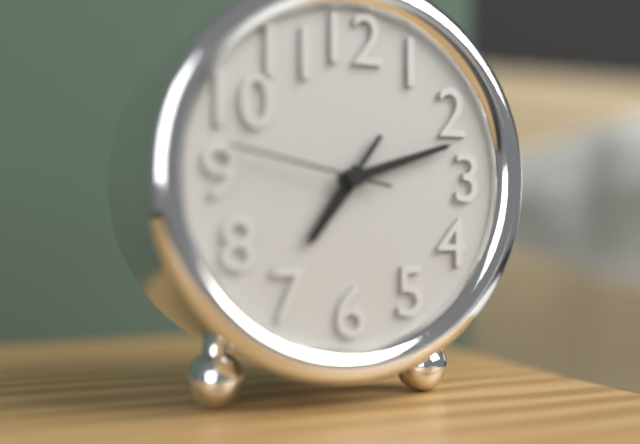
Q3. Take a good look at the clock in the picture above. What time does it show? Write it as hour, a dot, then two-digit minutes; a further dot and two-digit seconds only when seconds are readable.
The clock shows 7.12.47
